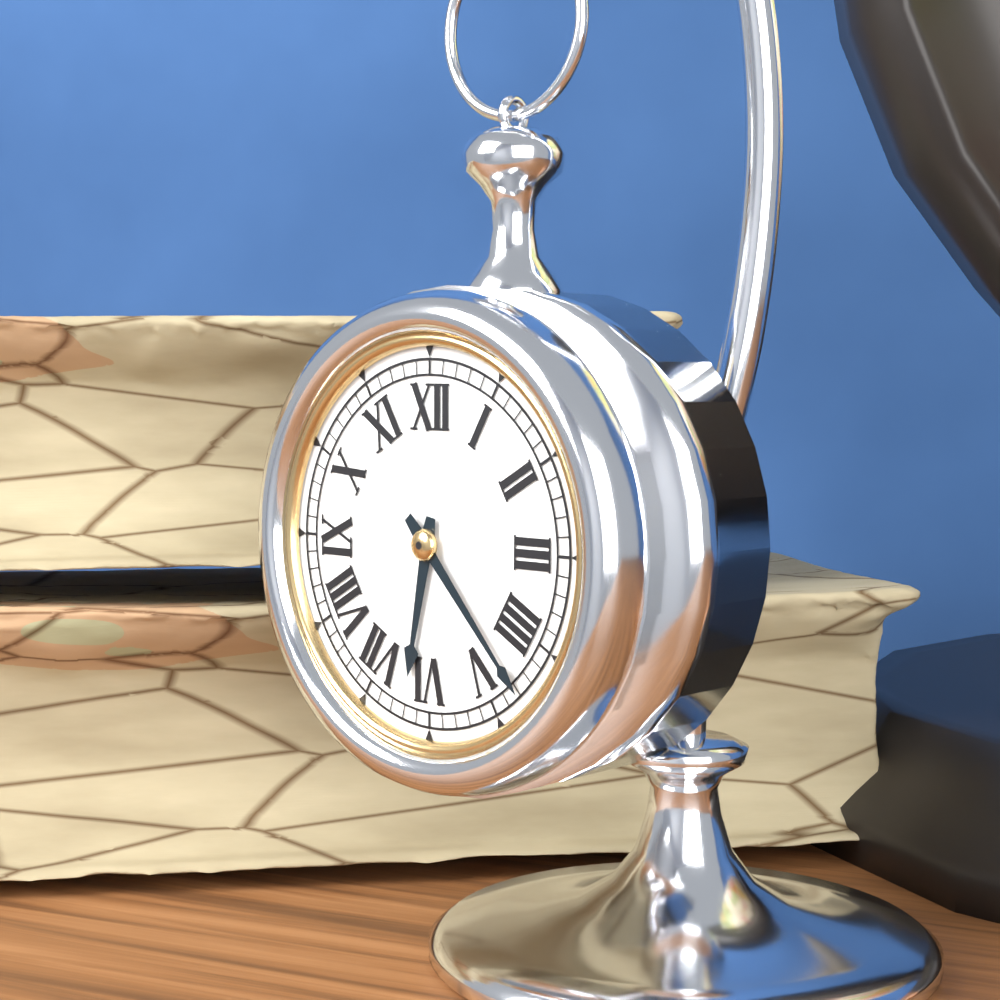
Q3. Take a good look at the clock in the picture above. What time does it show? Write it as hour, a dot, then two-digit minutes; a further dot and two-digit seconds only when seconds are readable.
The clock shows 6.23
